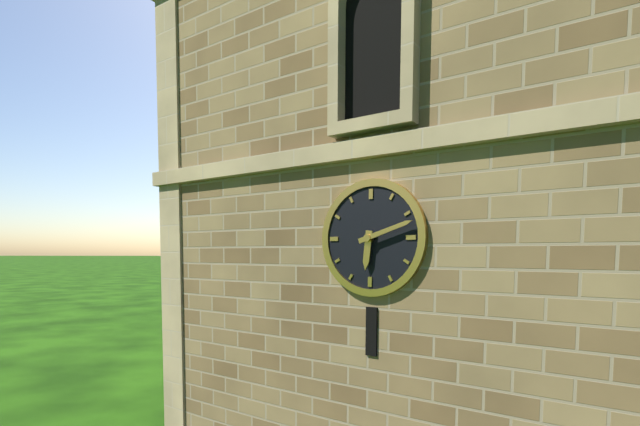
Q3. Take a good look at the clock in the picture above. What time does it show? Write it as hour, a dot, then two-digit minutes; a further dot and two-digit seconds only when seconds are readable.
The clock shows 6.12
